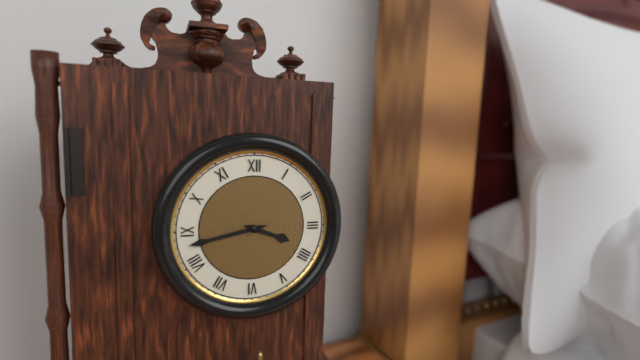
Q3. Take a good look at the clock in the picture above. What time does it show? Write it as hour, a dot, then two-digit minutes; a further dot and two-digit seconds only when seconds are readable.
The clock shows 3.43
